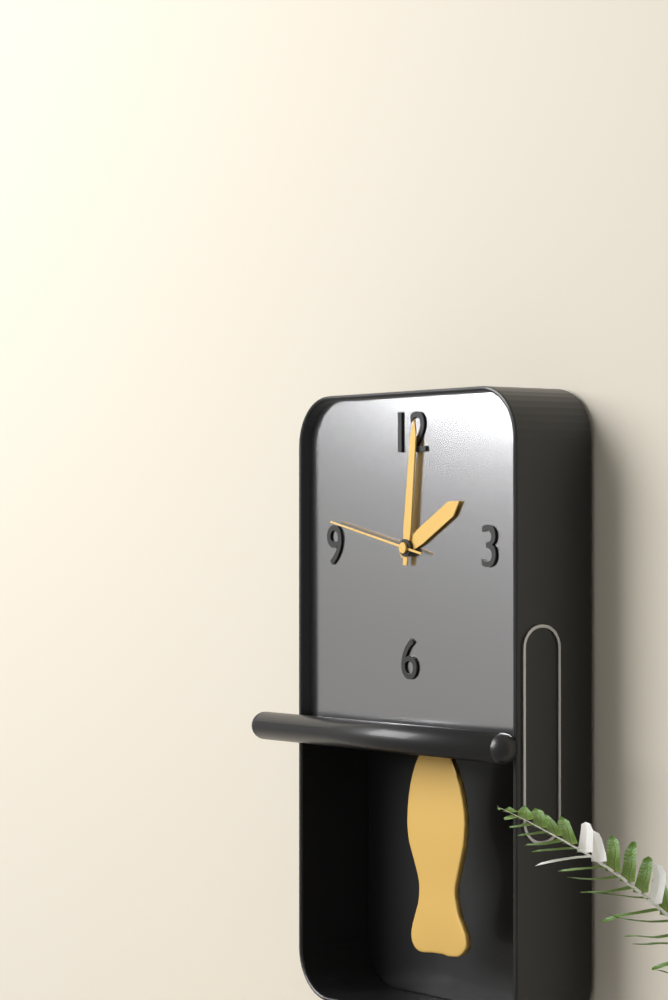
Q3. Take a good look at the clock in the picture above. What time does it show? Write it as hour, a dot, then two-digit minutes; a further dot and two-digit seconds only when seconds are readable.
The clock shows 2.01.47
